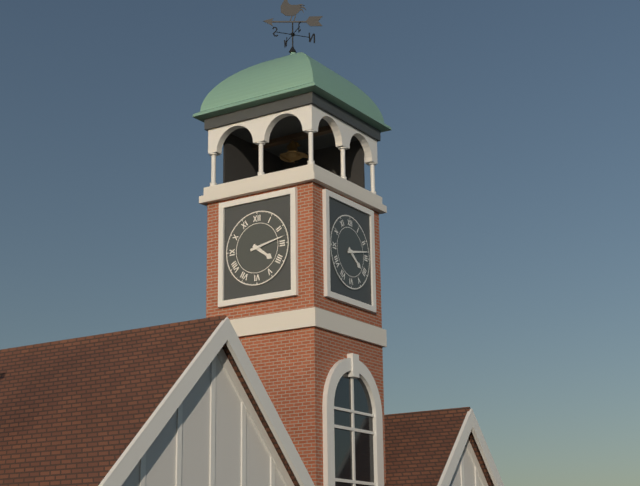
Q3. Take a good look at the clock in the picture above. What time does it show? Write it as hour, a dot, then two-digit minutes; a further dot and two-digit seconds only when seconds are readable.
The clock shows 4.13
